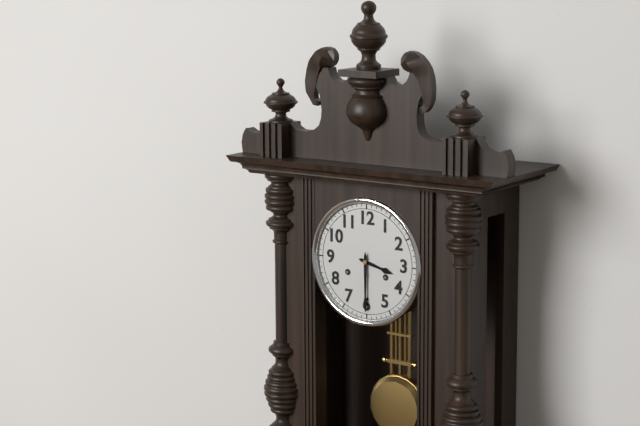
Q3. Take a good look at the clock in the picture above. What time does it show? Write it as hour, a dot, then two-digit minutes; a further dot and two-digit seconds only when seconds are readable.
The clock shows 3.30
